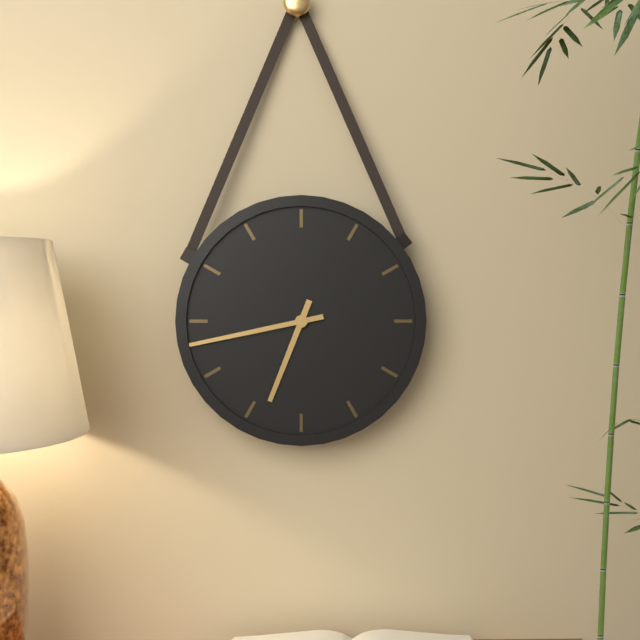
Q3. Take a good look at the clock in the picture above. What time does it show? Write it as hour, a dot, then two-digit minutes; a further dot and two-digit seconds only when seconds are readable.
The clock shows 6.43
